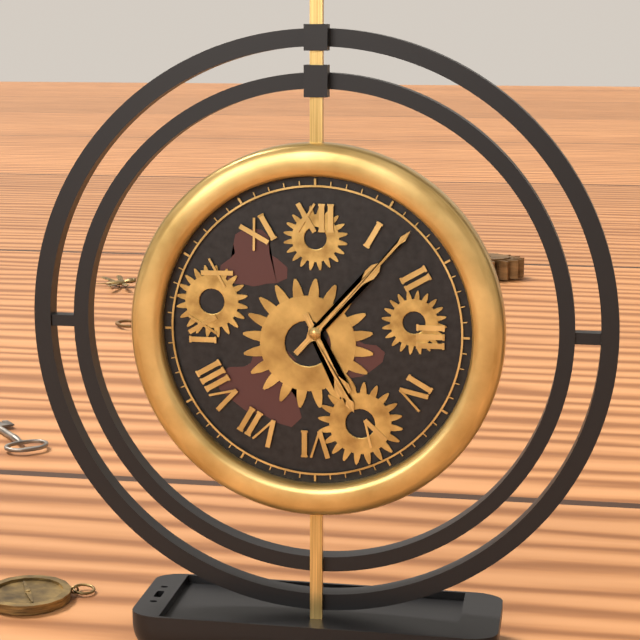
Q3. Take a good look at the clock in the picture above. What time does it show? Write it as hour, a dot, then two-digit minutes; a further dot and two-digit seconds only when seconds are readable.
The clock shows 5.07
